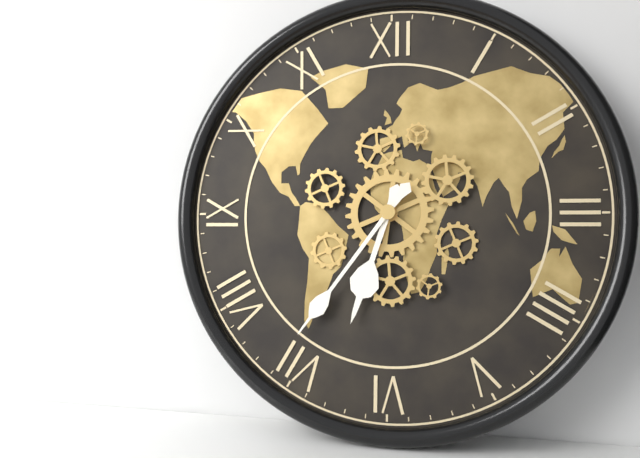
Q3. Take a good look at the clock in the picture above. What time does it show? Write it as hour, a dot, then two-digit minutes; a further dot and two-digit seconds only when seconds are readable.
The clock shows 6.36
